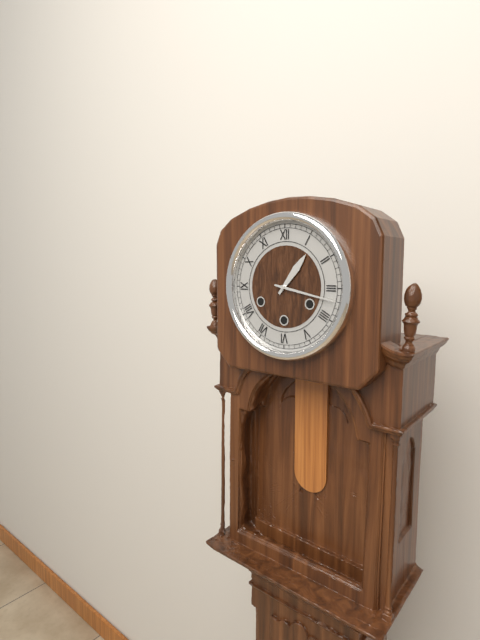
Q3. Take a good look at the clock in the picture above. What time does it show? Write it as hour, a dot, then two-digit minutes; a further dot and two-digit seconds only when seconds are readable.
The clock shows 1.17
